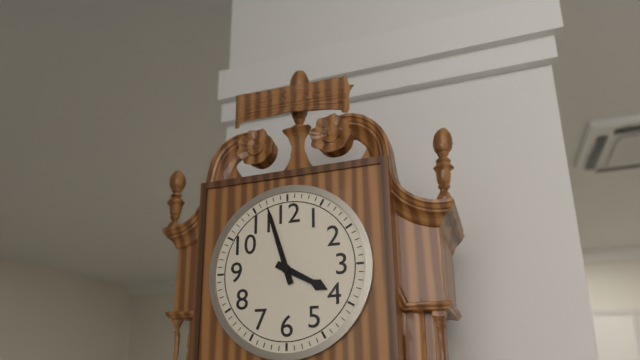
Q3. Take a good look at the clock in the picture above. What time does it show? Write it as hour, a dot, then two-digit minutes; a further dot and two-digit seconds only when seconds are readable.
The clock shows 3.57
